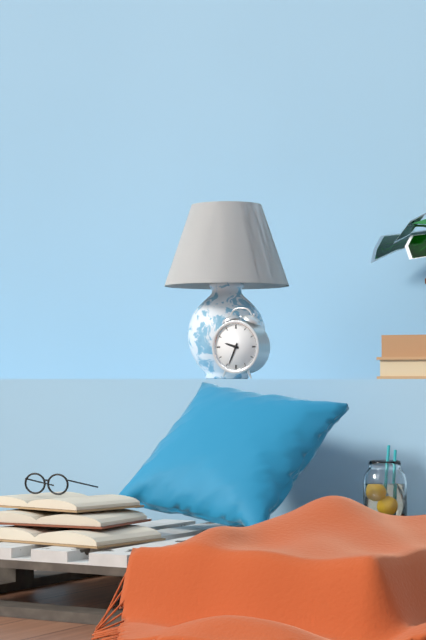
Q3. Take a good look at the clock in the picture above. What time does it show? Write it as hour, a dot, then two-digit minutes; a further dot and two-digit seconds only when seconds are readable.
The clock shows 9.34
